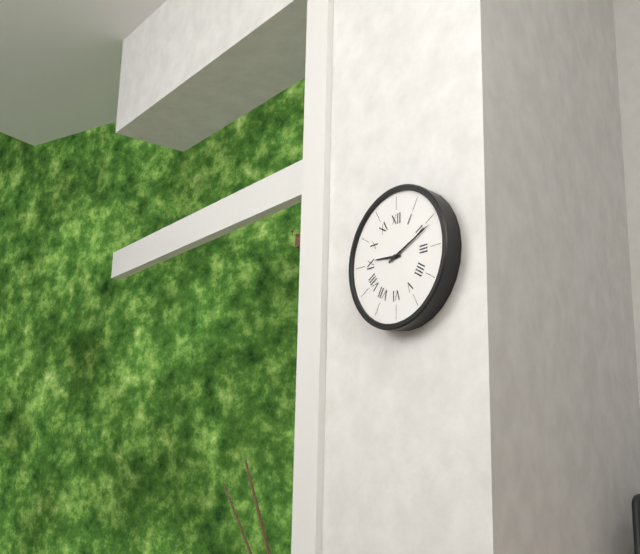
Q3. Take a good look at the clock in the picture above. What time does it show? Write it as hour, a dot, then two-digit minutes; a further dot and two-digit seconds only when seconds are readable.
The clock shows 9.11
